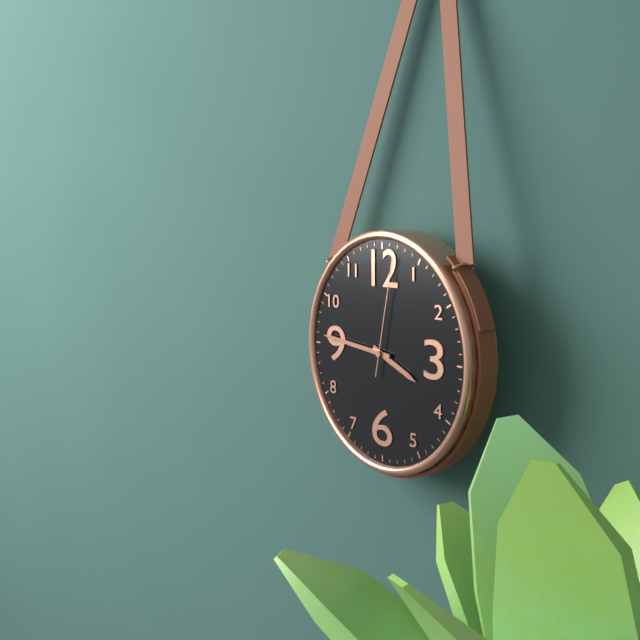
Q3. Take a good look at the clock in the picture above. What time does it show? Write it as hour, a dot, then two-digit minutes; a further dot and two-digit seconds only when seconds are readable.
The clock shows 3.46.02
